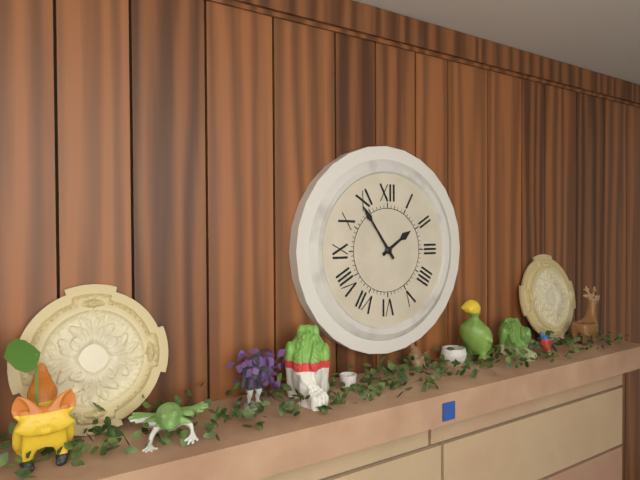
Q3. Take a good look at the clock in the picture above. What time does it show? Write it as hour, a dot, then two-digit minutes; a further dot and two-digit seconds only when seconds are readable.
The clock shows 1.54
